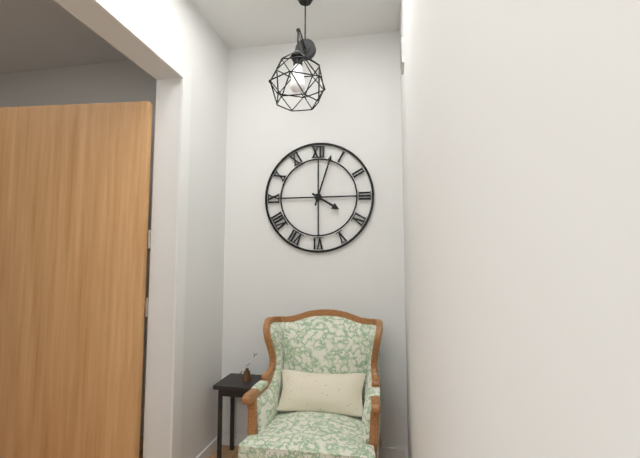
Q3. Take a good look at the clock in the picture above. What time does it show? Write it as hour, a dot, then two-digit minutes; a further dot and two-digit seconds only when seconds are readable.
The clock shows 4.03
